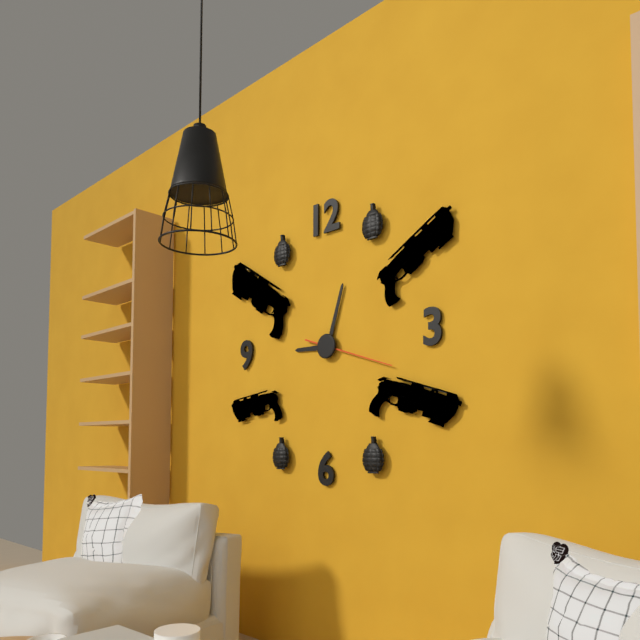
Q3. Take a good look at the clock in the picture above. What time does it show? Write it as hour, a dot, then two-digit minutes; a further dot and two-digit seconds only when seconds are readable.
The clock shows 9.03.18
